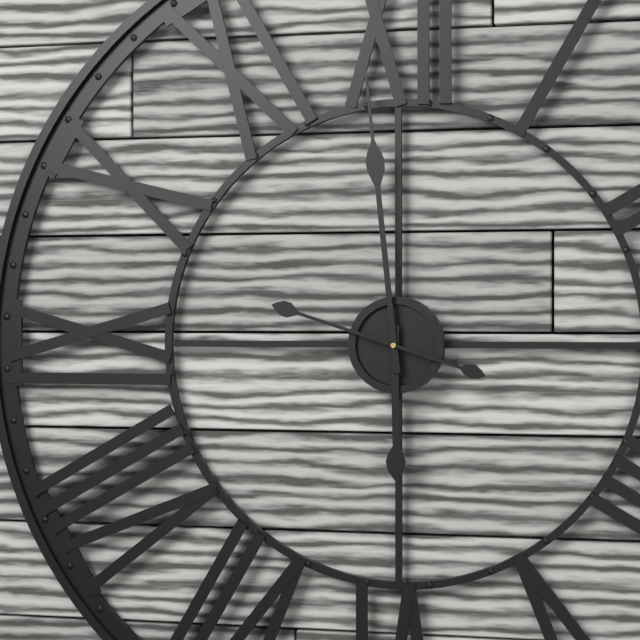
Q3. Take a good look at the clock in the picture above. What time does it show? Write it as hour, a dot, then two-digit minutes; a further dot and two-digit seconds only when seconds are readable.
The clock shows 5.59.48
